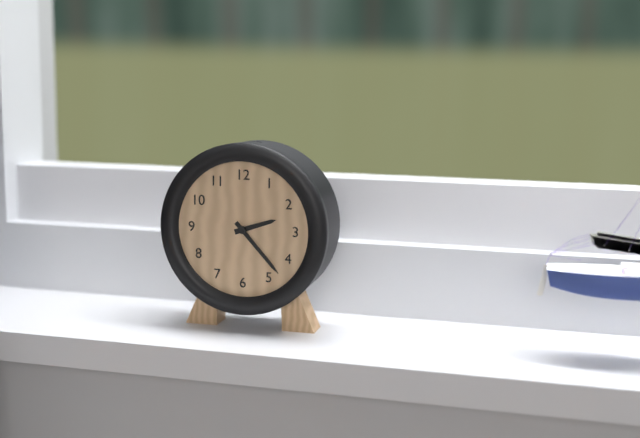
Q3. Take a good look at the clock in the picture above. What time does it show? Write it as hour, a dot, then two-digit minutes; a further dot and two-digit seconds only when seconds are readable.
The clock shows 2.23
